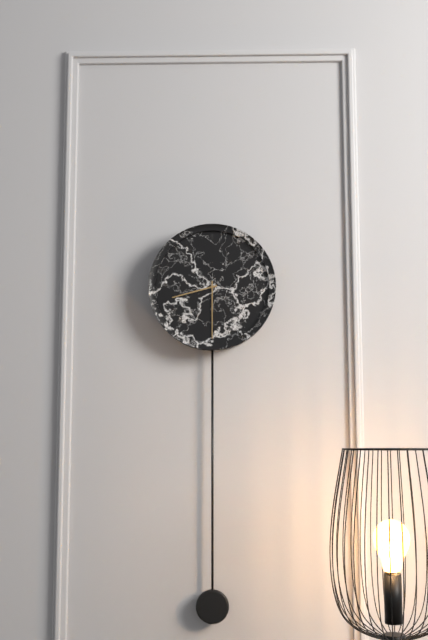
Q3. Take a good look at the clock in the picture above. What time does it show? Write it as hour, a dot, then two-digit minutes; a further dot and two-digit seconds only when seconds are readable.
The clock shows 8.30
